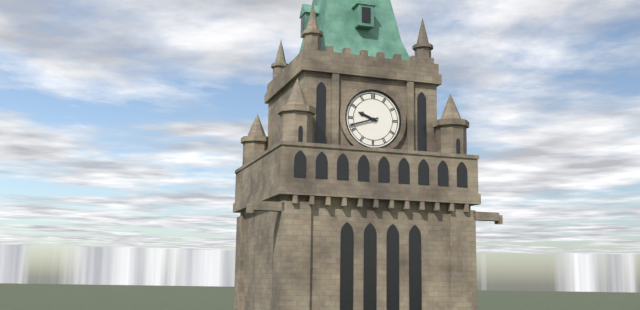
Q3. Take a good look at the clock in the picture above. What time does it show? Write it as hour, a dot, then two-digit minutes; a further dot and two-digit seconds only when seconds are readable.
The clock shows 9.42
